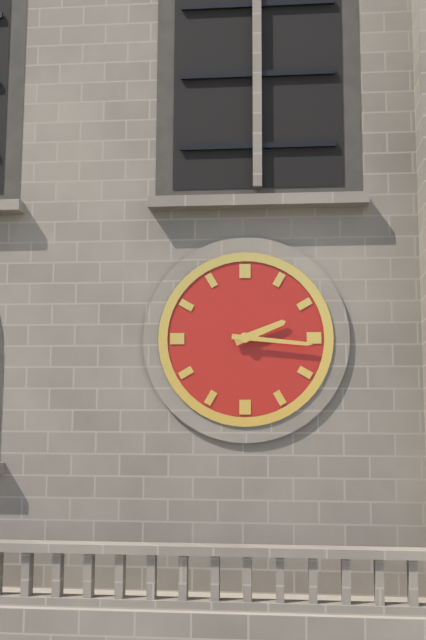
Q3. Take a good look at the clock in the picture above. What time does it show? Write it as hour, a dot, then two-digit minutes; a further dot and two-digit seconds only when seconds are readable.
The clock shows 2.16
